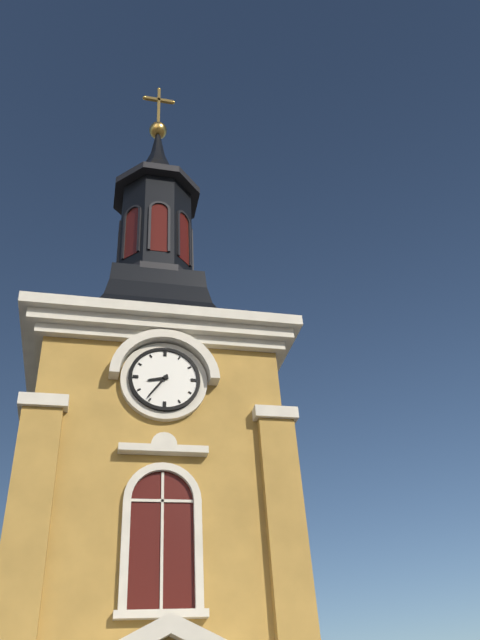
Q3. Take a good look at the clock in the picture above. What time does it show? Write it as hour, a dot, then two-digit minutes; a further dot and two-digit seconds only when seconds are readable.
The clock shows 8.36
